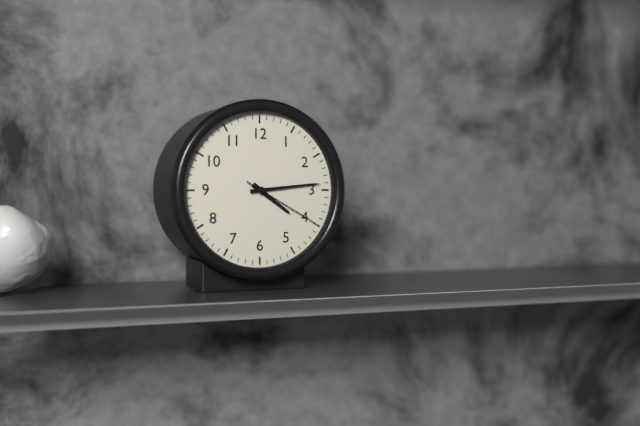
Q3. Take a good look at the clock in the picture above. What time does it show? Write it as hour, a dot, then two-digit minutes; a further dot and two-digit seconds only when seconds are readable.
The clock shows 4.14.20
